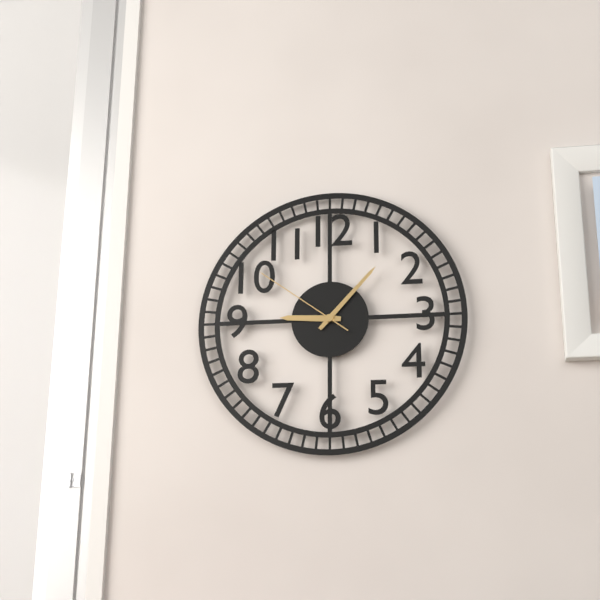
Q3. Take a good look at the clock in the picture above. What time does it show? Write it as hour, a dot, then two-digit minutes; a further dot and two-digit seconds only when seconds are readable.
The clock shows 9.07.51
